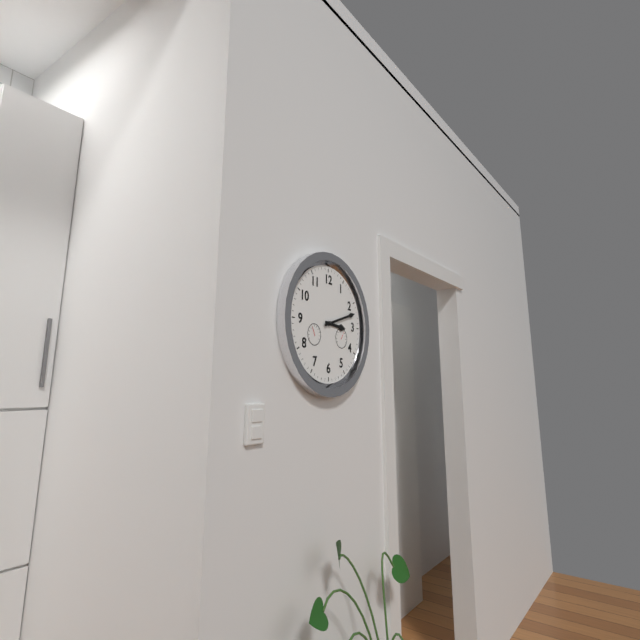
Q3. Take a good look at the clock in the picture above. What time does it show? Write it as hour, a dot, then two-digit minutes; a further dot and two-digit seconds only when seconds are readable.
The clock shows 3.12
